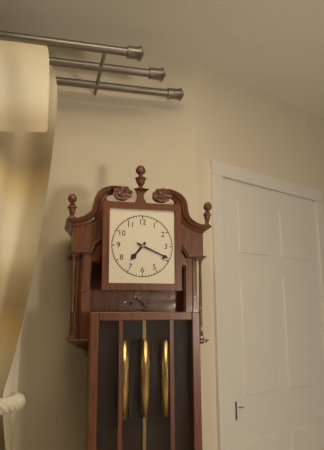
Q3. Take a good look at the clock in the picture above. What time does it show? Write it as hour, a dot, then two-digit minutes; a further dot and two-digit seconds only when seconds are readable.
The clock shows 7.19
